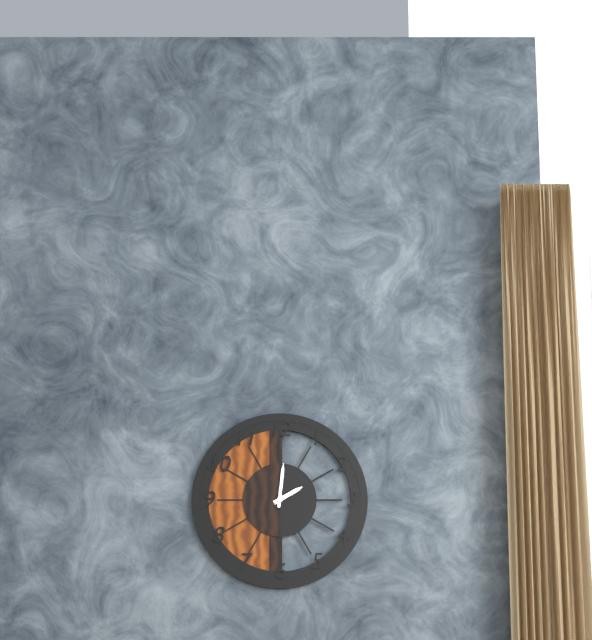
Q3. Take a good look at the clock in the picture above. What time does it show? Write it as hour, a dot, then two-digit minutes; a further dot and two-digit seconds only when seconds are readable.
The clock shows 2.01
